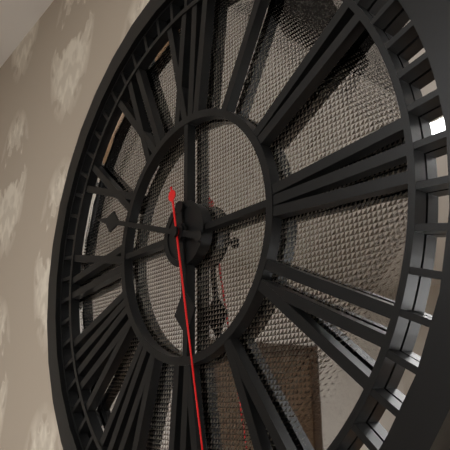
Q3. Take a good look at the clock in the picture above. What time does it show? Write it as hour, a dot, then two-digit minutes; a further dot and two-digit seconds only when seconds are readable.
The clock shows 5.48
